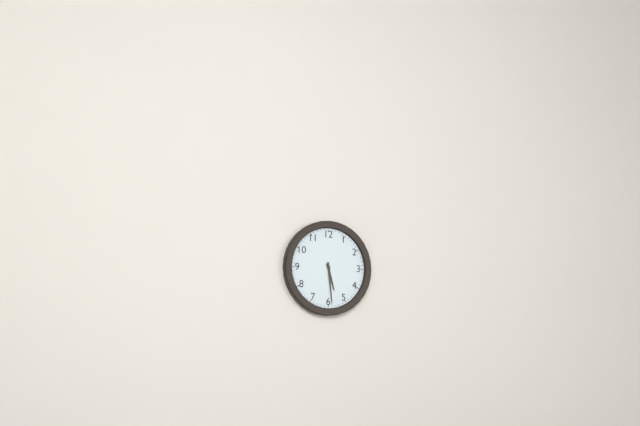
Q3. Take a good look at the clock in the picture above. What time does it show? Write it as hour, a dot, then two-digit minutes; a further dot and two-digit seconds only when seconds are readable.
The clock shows 5.29
